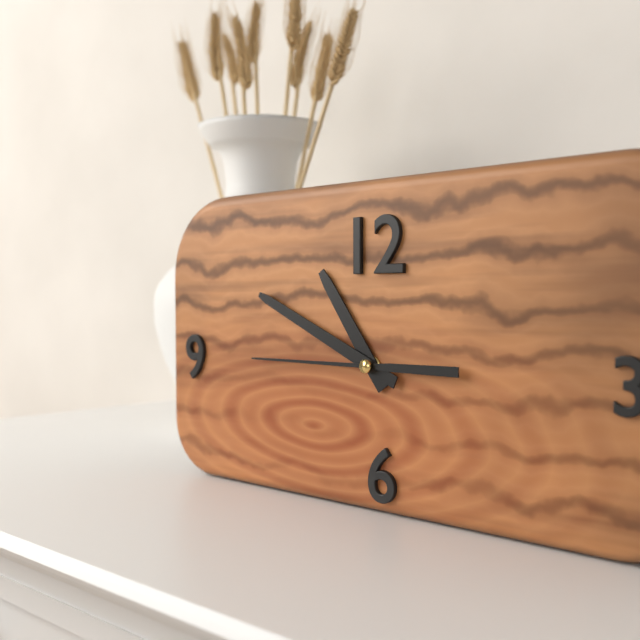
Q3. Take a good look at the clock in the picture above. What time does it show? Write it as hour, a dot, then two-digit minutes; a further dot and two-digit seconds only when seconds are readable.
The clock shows 10.49.45
